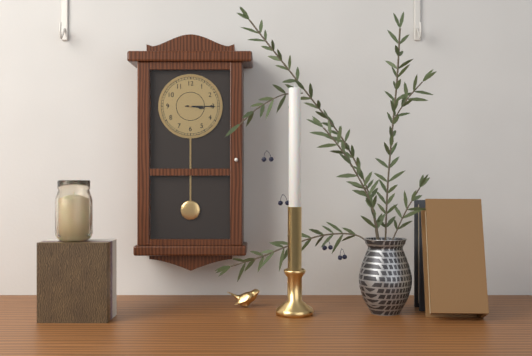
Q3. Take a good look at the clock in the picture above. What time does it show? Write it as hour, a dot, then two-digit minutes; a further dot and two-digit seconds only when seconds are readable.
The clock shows 3.15
